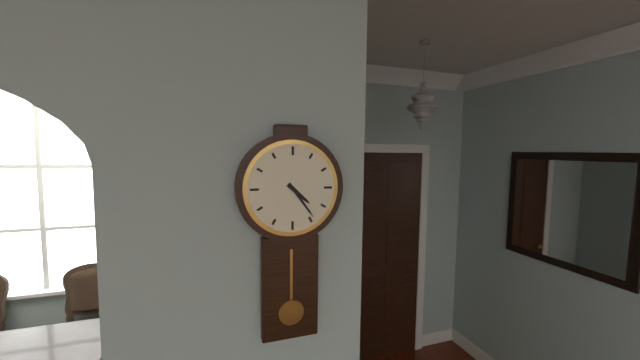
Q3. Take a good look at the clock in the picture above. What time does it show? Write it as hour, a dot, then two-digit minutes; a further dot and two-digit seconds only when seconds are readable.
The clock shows 4.24
